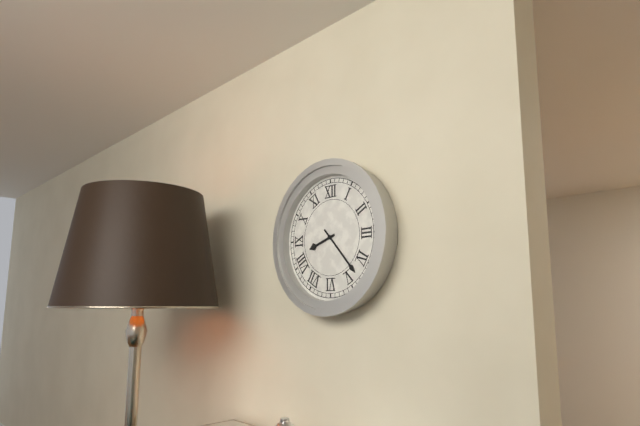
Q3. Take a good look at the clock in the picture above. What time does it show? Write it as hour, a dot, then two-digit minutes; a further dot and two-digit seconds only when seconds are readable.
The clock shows 8.23
